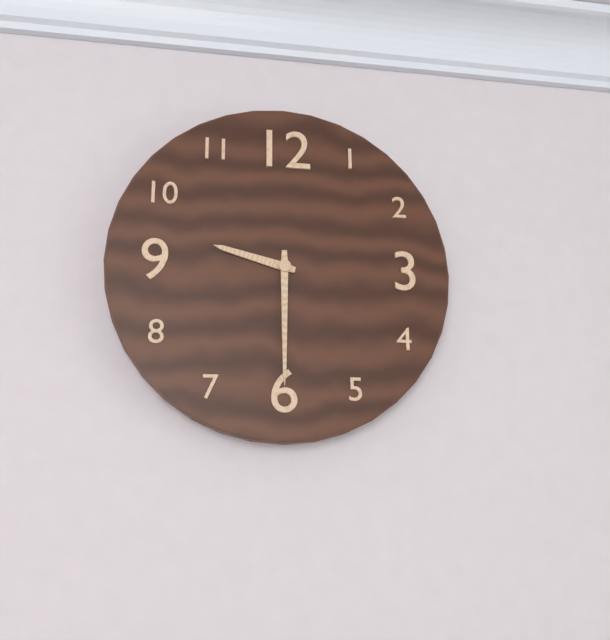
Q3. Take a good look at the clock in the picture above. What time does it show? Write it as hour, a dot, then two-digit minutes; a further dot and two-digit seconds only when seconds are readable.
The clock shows 9.30
